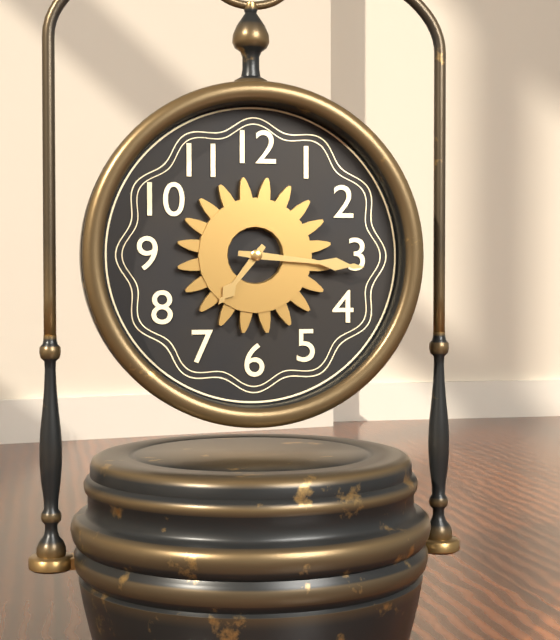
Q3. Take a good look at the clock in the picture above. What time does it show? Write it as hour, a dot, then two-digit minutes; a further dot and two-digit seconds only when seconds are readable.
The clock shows 7.16
